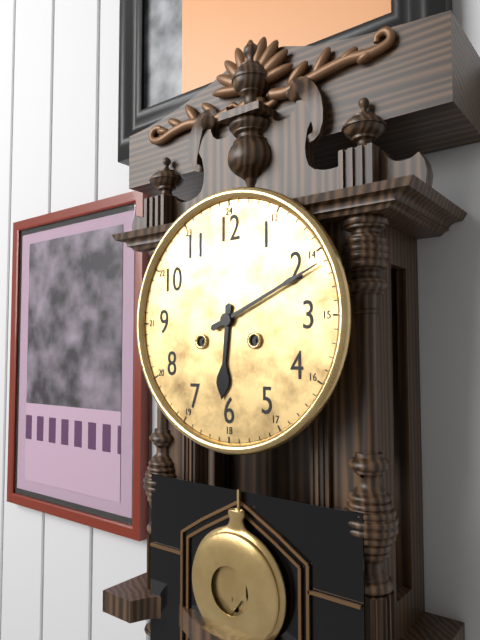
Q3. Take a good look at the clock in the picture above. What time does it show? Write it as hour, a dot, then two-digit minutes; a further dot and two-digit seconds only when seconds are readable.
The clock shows 6.11
